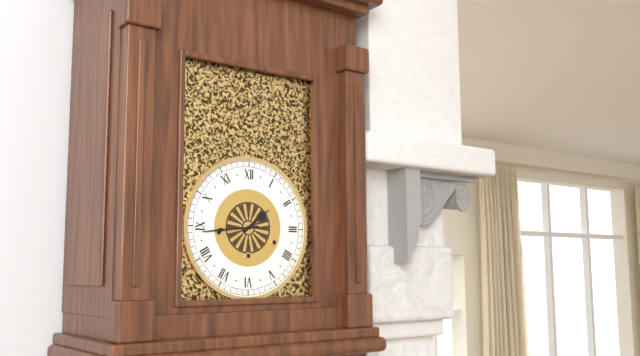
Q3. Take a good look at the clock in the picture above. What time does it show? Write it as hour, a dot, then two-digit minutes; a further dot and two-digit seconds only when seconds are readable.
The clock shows 1.44
